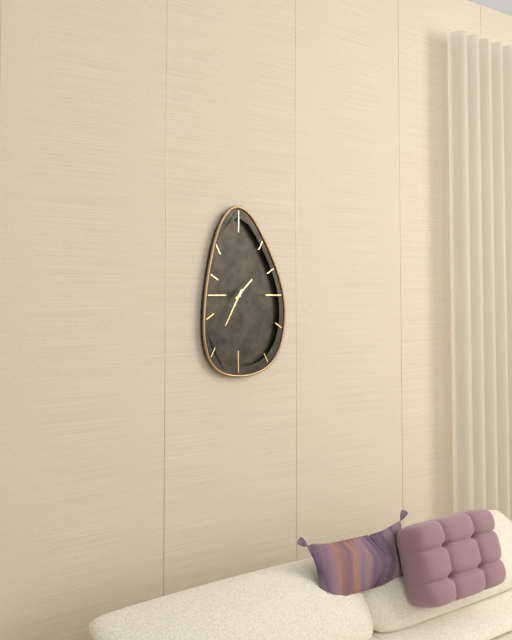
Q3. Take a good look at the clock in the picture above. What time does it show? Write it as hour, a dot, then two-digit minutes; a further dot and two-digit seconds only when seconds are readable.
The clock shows 1.35
